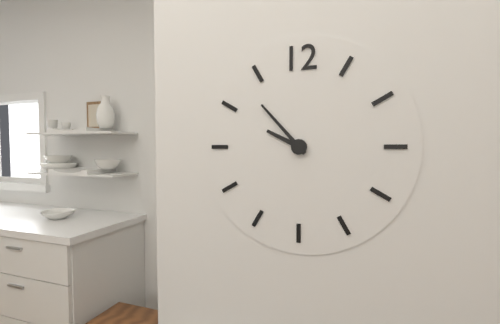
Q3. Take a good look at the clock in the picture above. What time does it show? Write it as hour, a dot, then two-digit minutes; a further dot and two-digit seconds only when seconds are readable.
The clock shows 9.53
